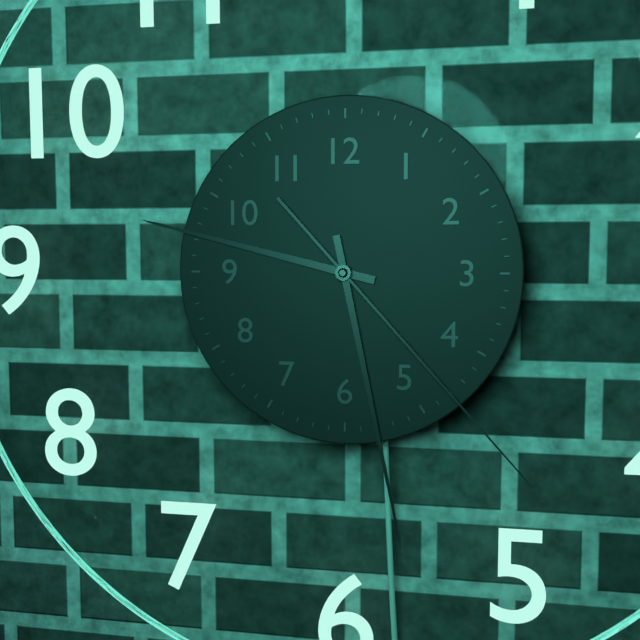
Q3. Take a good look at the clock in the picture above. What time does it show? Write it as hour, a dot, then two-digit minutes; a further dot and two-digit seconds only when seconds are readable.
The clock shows 9.28.23
